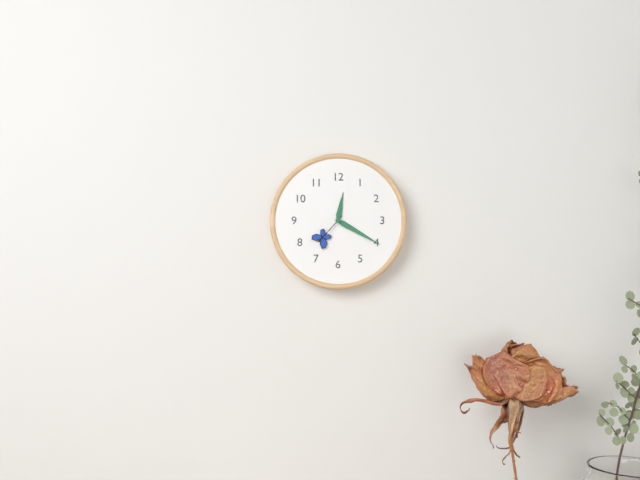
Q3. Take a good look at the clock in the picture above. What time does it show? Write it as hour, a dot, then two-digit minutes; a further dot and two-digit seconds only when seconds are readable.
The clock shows 12.20
